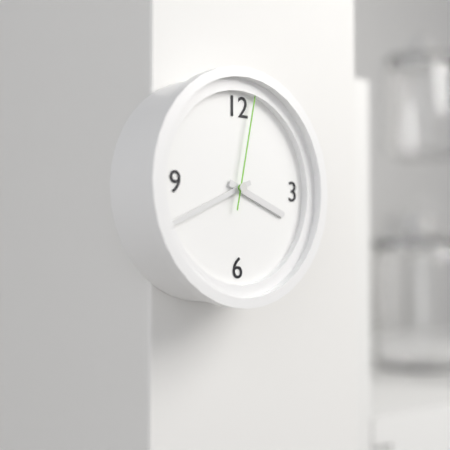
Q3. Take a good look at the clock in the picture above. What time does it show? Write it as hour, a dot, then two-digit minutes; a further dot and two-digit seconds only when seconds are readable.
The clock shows 3.41.02
